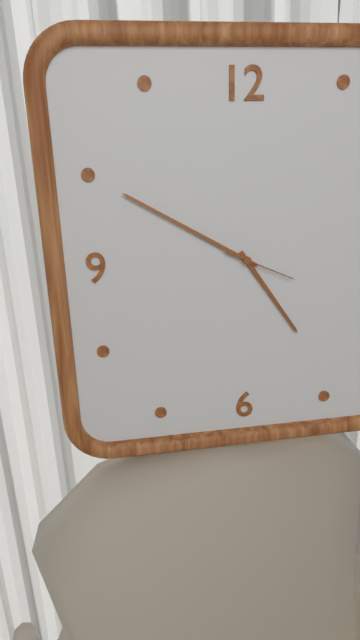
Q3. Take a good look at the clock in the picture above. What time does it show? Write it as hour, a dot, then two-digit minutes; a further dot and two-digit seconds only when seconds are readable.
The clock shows 4.50.19
